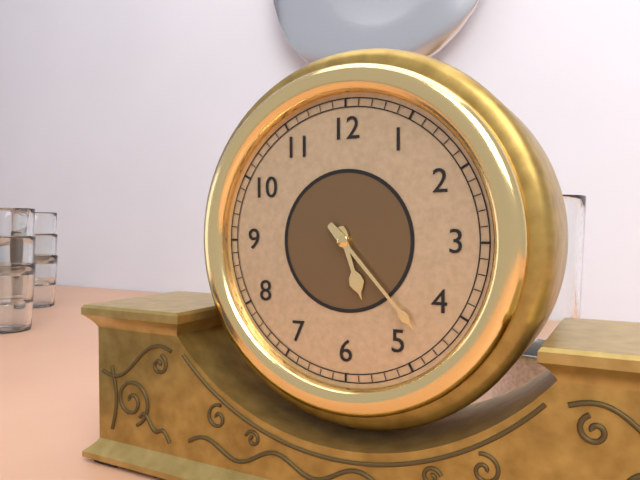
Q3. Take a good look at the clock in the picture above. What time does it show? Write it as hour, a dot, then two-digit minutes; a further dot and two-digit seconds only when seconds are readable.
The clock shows 5.23
